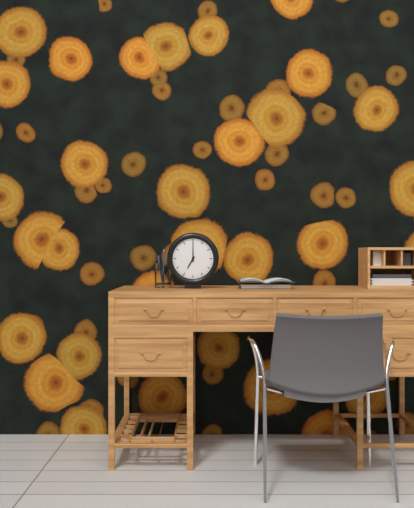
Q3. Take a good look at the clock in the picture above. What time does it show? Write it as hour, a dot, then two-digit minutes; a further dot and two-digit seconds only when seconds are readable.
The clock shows 7.00
